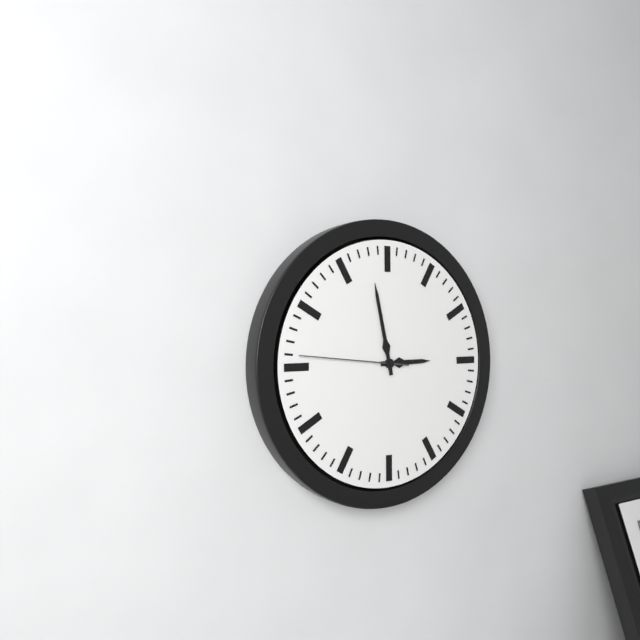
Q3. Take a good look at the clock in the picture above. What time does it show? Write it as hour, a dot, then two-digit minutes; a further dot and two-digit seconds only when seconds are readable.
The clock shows 2.58.46
